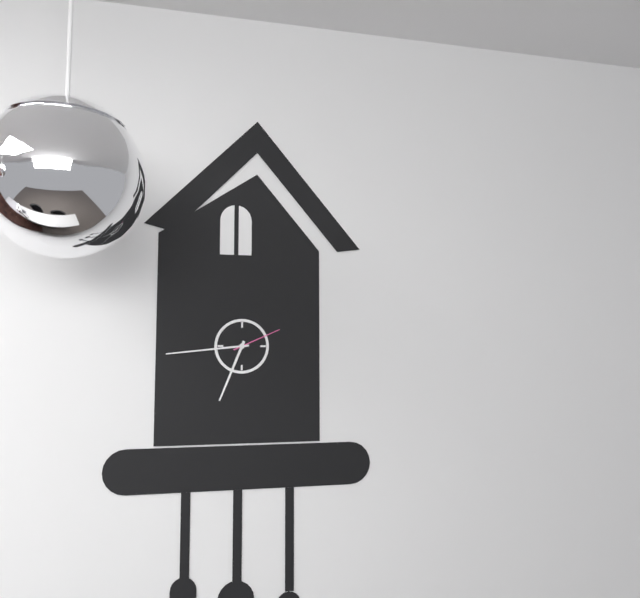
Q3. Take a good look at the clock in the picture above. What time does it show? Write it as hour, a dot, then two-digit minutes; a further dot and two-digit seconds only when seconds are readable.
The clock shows 6.44.11
